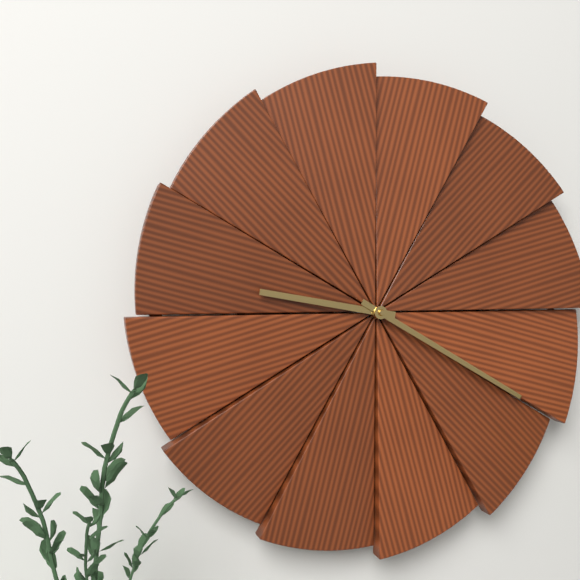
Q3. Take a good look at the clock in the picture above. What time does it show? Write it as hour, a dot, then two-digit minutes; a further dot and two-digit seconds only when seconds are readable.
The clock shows 9.20
